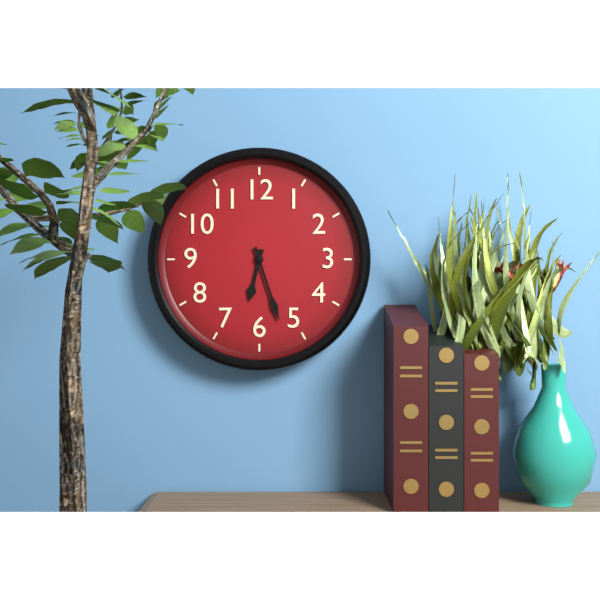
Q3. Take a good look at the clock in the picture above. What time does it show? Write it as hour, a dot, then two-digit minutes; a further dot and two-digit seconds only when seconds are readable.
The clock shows 6.27
